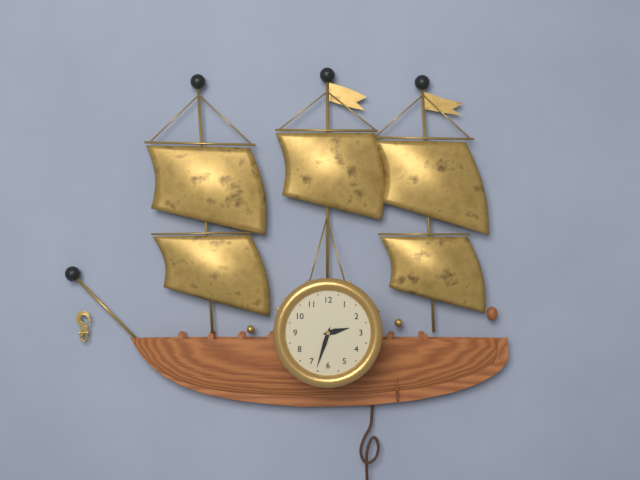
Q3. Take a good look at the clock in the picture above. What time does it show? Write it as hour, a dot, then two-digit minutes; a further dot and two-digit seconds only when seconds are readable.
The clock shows 2.33
